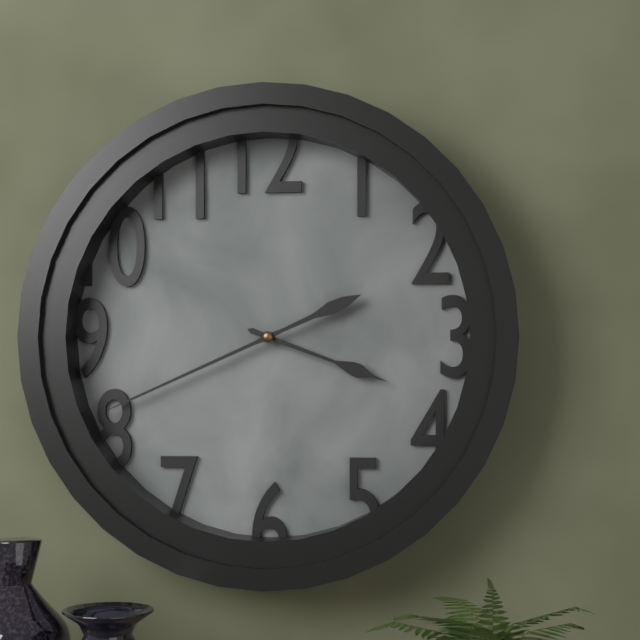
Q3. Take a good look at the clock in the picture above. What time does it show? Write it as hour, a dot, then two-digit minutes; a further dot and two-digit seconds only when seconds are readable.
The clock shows 3.41
